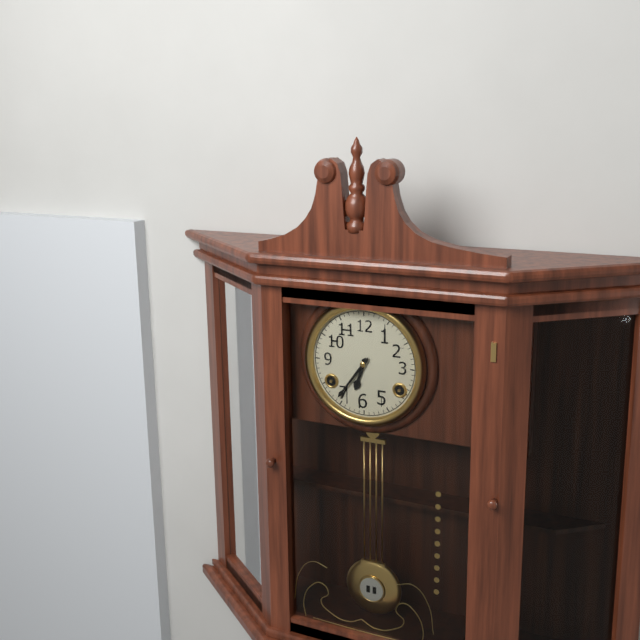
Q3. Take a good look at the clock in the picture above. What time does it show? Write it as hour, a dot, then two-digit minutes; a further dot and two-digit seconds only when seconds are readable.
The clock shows 6.36
